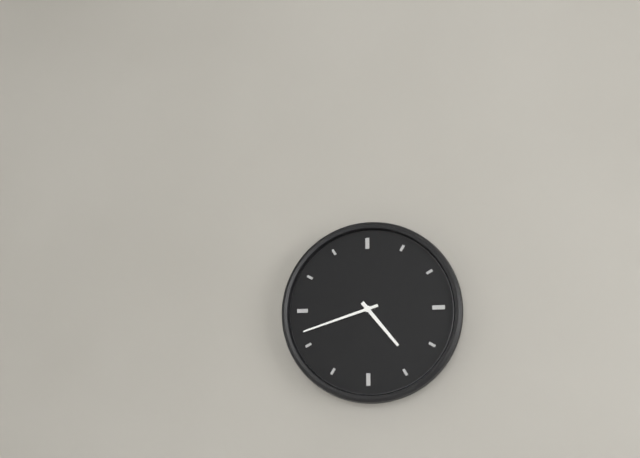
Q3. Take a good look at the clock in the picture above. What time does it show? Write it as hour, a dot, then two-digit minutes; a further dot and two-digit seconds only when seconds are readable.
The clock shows 4.42
